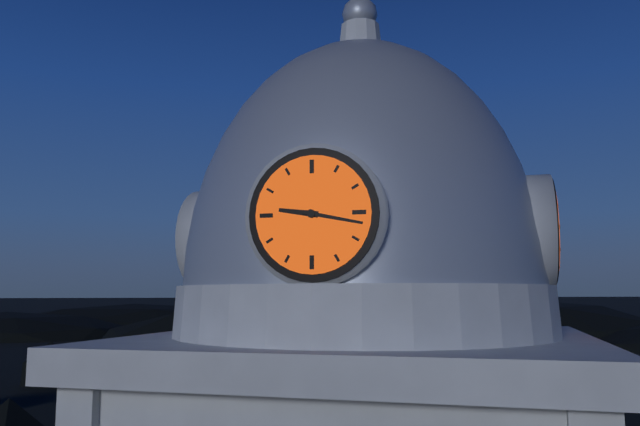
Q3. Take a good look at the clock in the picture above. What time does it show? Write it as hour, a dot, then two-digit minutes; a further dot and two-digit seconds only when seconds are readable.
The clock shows 9.17
